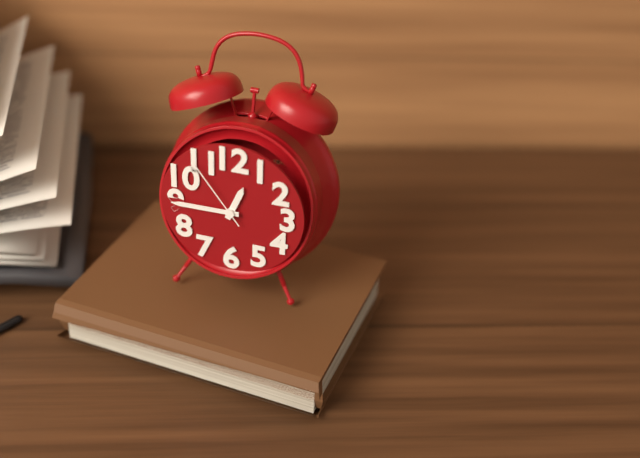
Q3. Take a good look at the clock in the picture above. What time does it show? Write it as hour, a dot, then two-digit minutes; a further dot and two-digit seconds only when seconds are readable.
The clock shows 12.45.54
